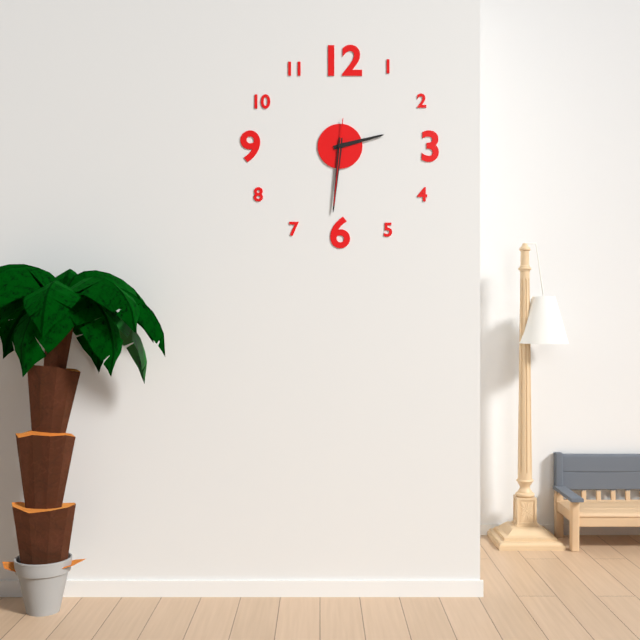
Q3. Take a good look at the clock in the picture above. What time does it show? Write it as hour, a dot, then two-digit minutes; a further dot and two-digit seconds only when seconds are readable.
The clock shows 2.31.31
